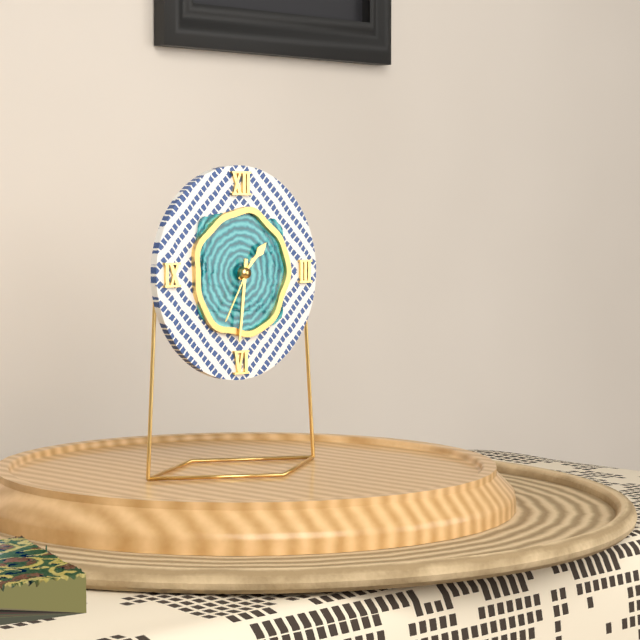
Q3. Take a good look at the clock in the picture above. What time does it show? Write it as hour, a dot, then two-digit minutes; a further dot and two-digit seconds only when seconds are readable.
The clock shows 1.31.35
